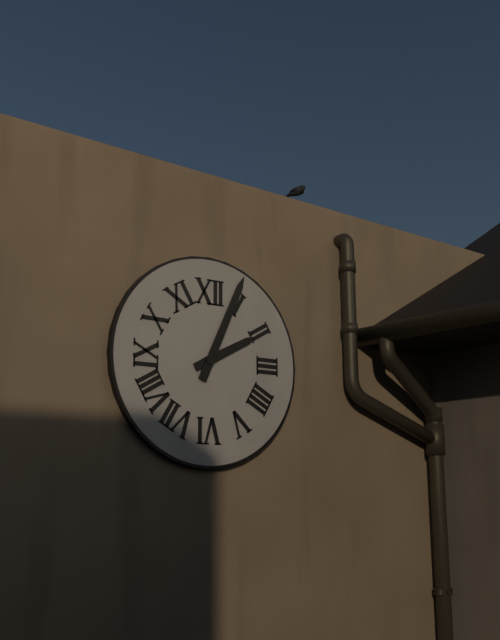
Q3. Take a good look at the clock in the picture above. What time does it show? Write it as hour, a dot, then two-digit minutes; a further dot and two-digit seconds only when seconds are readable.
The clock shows 2.04
